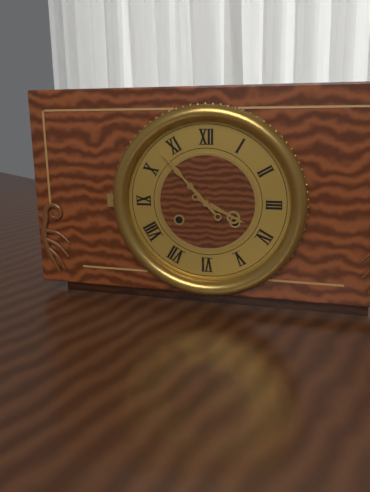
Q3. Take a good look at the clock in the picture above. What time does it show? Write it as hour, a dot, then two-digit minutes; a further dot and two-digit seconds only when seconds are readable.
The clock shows 3.53
